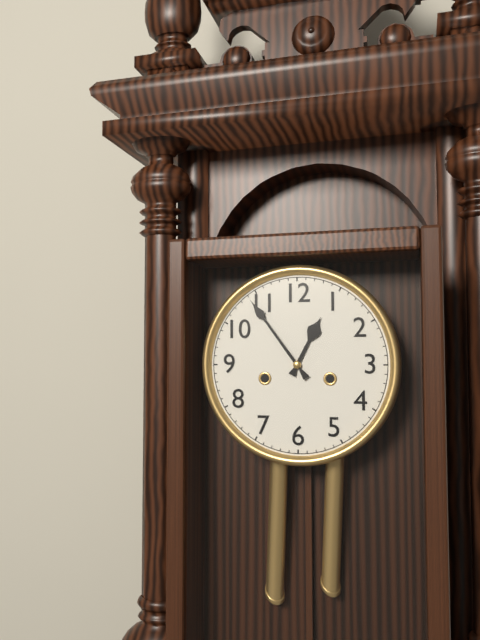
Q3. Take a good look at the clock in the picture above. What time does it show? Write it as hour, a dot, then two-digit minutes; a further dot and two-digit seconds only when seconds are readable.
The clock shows 12.54
